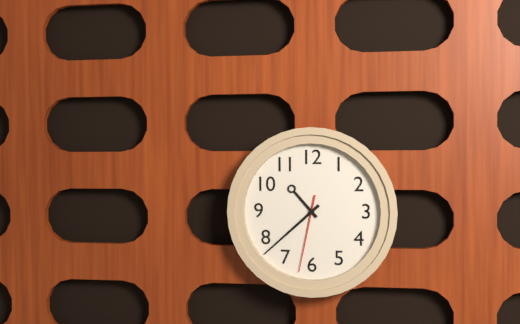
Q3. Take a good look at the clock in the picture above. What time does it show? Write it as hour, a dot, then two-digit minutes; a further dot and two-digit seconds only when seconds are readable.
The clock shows 10.38.32
